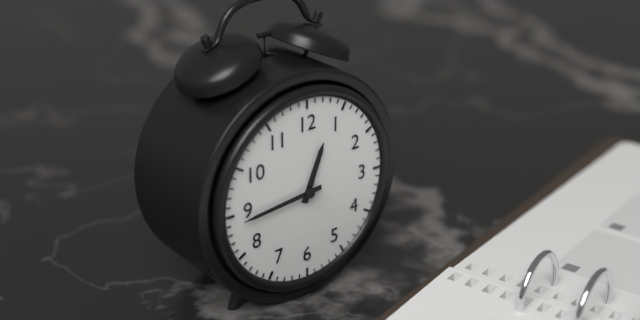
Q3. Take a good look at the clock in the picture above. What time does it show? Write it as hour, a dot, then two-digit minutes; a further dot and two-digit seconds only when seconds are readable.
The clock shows 12.44
